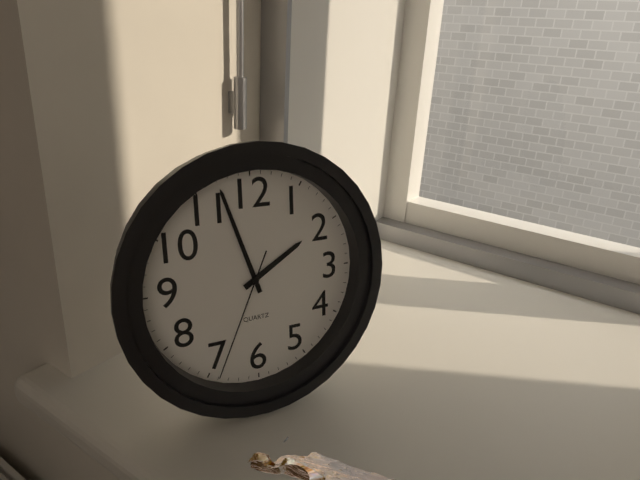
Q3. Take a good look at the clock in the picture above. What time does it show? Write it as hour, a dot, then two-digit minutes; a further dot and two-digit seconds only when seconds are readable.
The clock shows 1.57.34
